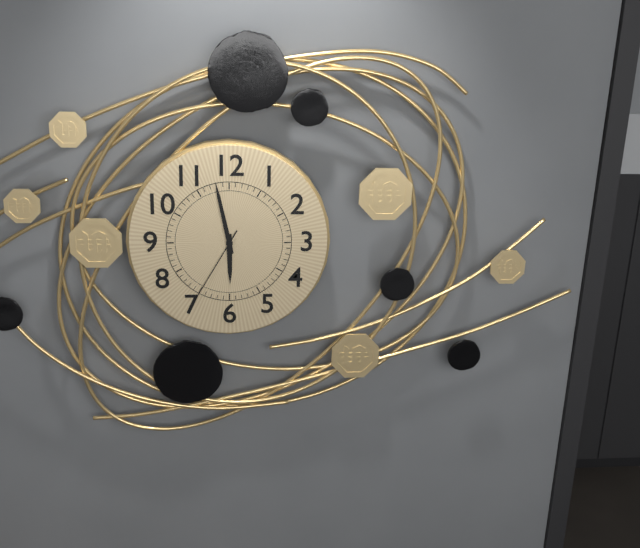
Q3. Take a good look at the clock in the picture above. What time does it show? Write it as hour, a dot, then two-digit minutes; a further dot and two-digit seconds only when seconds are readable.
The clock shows 5.58.35
